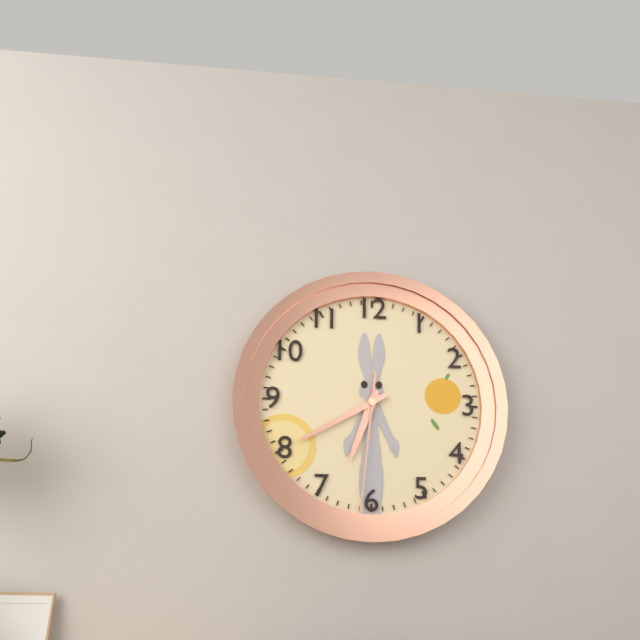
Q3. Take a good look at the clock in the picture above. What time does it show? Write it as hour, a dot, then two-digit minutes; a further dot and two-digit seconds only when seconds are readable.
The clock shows 6.40.31
